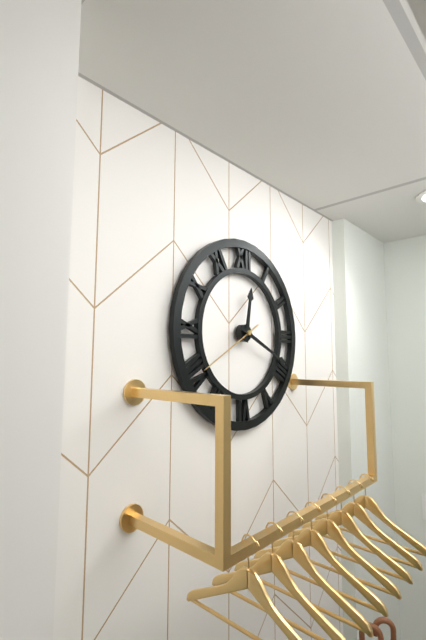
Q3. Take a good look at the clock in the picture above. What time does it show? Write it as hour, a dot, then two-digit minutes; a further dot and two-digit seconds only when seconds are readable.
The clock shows 12.19.40
